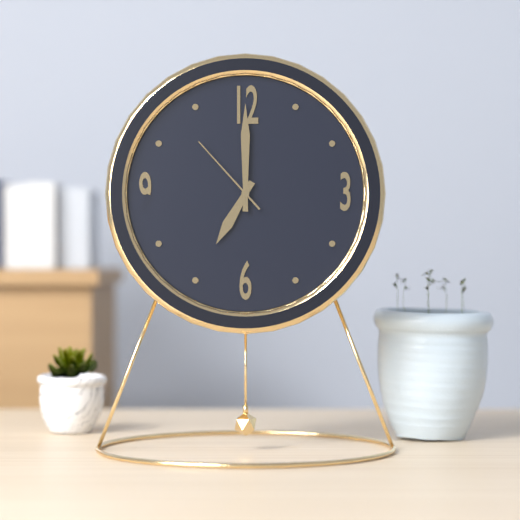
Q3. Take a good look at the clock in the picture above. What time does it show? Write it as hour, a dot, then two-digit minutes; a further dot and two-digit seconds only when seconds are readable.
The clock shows 7.00.53
